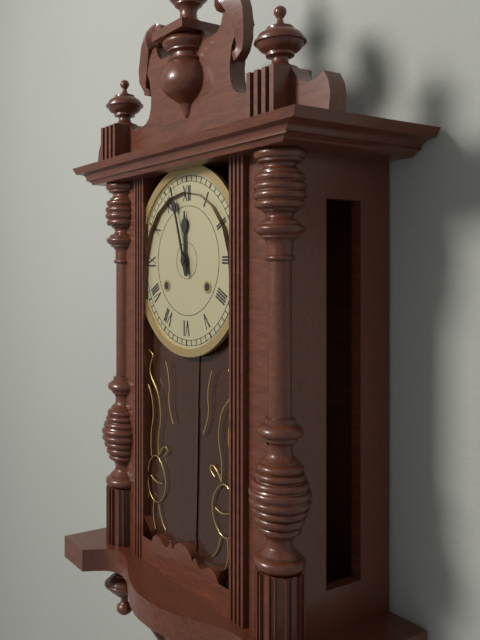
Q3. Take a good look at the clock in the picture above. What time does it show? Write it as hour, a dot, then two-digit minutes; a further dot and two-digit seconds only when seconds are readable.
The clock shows 11.57
